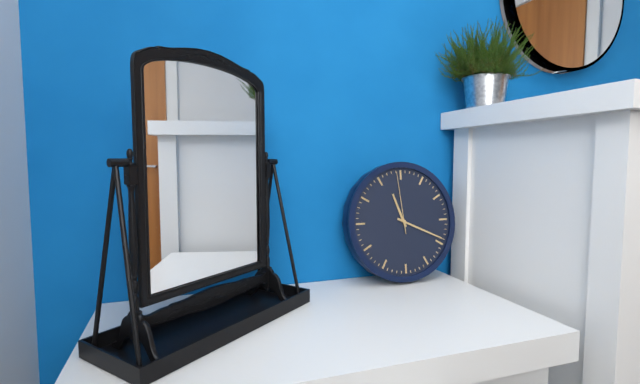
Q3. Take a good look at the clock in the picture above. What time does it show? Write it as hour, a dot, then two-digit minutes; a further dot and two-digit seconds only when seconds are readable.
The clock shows 11.19.59
